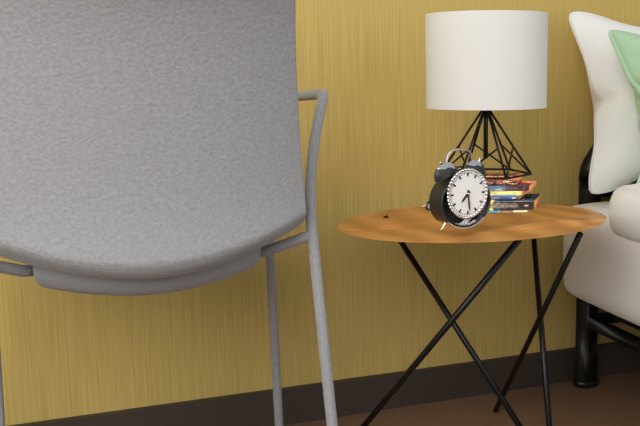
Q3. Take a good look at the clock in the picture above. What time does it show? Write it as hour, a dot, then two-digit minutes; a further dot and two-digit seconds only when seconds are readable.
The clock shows 7.29
